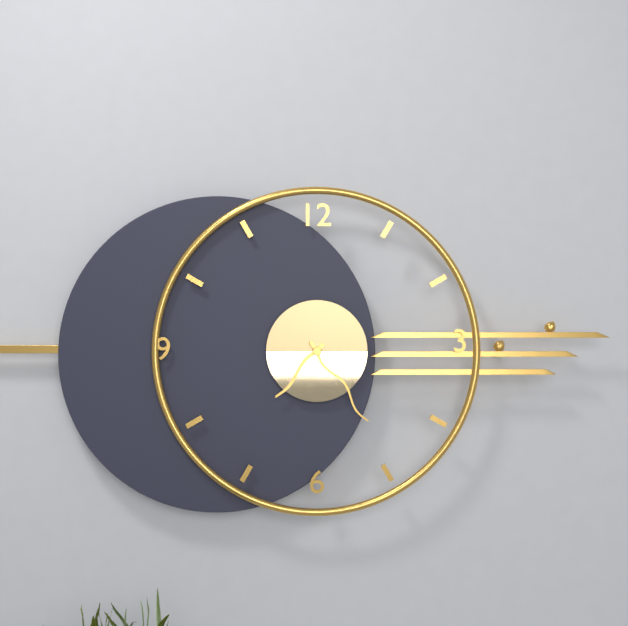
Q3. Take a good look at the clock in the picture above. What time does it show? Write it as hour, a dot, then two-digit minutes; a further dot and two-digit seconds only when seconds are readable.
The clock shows 7.24
